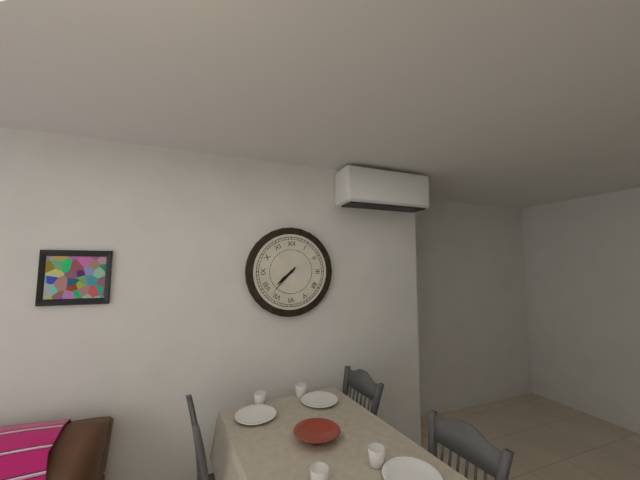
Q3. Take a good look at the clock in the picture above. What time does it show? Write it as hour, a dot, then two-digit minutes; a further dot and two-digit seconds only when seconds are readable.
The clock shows 7.37
